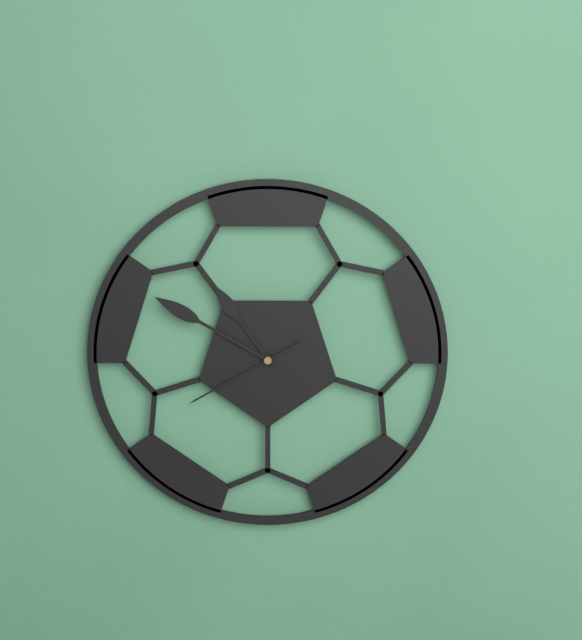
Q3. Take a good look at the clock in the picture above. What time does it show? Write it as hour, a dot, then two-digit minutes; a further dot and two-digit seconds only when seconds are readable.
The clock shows 10.50.40
